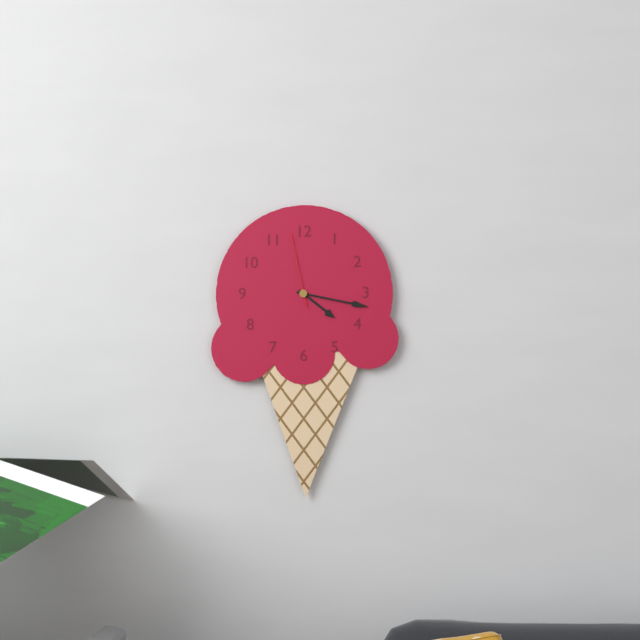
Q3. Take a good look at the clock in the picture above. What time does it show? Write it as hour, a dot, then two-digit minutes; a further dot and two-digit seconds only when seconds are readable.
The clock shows 4.17.58
